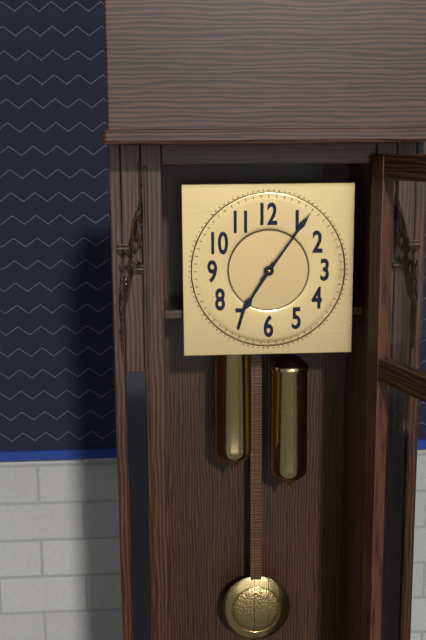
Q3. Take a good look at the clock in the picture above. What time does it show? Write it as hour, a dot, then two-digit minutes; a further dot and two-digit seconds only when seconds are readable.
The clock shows 7.06
